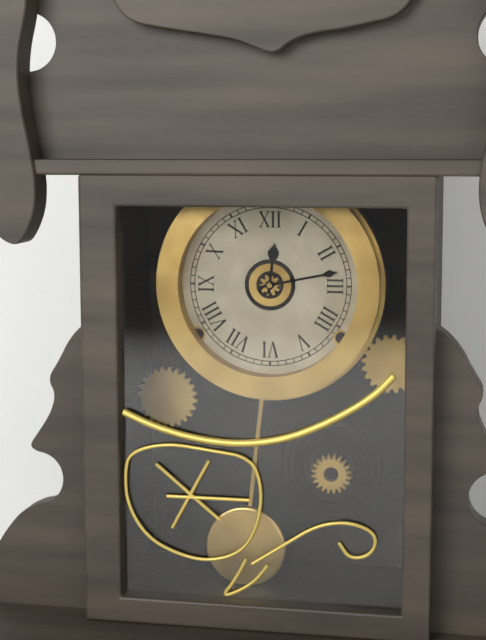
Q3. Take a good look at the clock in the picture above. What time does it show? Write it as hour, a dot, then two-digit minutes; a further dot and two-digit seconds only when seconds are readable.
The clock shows 12.13
